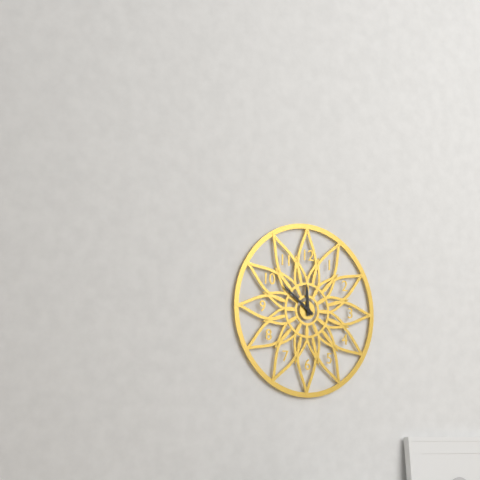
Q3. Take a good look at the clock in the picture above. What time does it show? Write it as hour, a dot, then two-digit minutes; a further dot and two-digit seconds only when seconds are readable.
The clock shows 11.51
